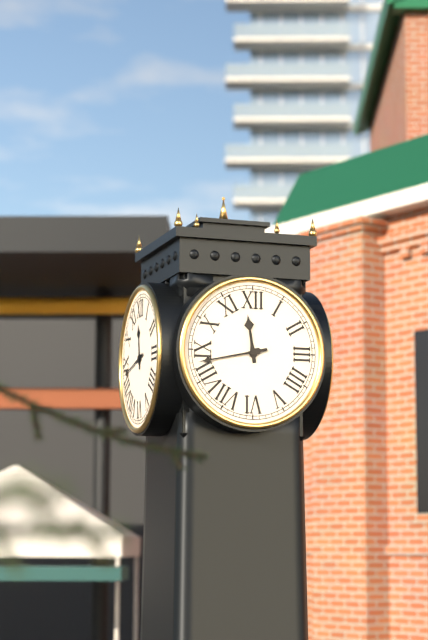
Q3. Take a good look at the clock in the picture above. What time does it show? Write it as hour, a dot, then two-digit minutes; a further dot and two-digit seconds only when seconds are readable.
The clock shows 11.43
